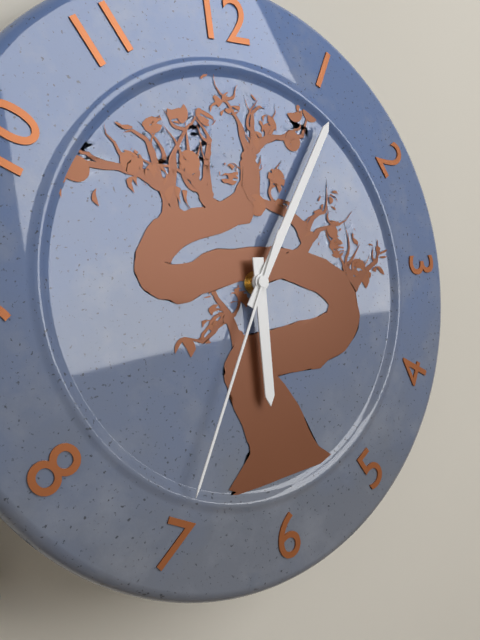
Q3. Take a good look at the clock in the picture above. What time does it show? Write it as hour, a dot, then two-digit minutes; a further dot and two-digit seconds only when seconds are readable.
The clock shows 6.06.35
